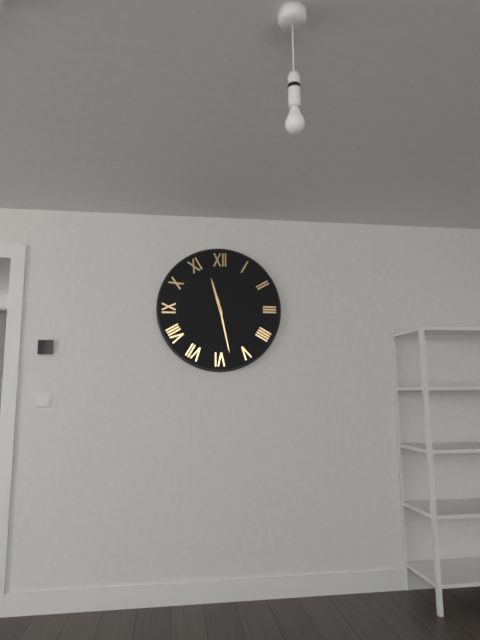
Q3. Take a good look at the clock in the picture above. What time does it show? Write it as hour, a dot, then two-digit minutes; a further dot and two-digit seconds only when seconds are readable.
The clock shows 11.28
